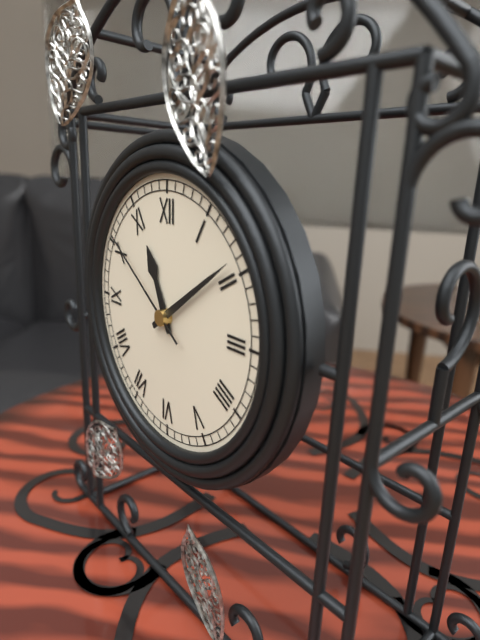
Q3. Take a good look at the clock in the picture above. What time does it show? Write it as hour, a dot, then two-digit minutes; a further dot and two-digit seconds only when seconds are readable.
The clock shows 11.09.51
